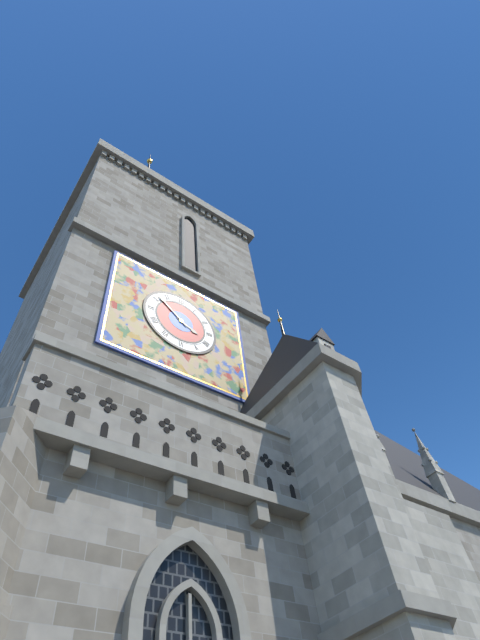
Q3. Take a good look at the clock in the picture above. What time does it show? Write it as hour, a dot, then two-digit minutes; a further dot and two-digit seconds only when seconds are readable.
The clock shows 3.52
